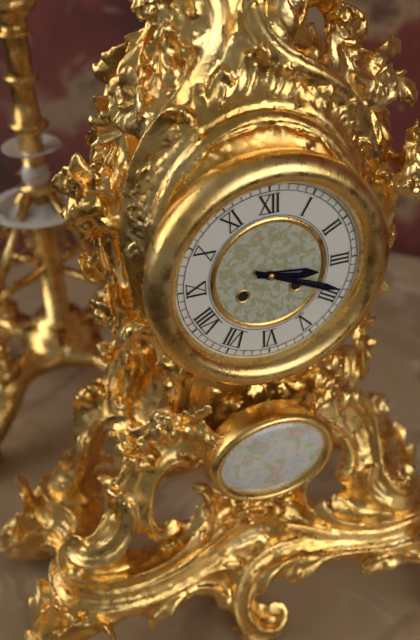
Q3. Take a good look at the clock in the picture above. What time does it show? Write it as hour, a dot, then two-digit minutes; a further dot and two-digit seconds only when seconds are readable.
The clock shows 3.19
